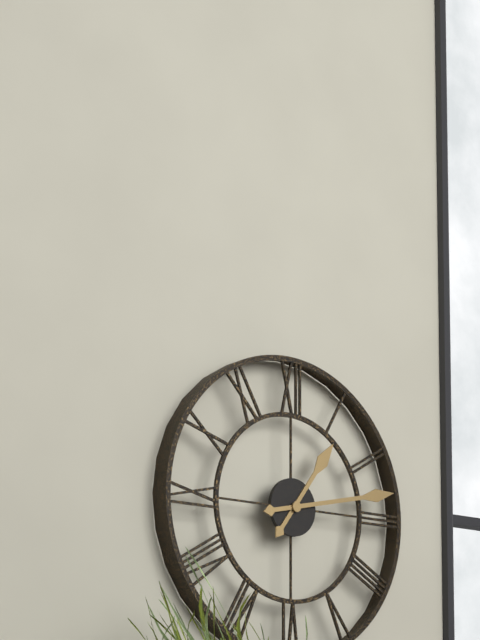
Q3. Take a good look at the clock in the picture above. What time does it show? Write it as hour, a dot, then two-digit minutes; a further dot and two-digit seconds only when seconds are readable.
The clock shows 1.13
